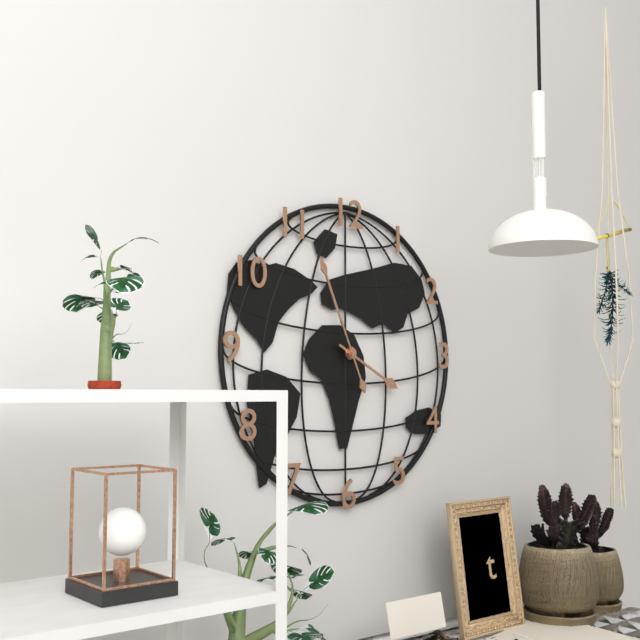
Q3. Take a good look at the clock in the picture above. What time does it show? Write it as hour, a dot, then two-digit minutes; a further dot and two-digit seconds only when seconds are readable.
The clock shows 3.56
